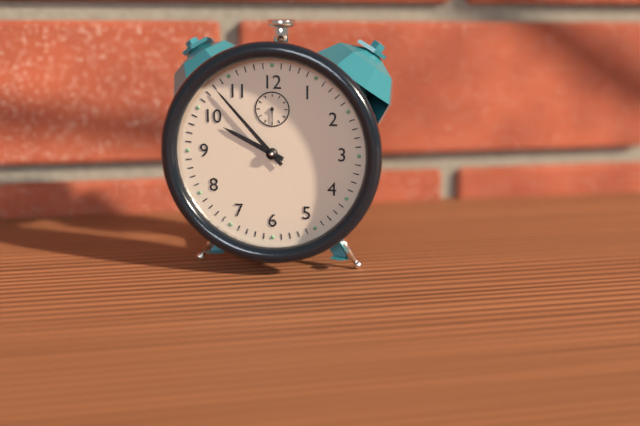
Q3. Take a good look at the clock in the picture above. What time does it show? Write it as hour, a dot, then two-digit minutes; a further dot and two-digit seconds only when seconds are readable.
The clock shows 9.53
